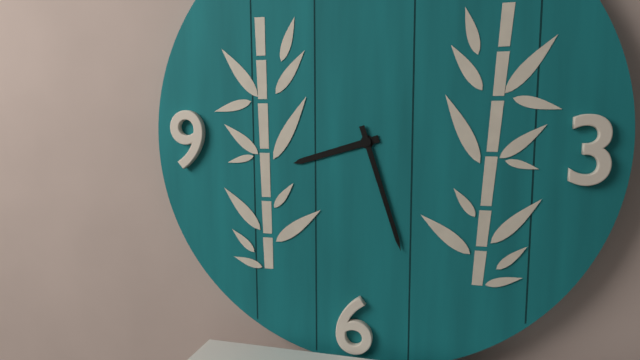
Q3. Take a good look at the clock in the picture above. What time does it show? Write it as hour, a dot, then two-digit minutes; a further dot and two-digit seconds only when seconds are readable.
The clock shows 8.27
